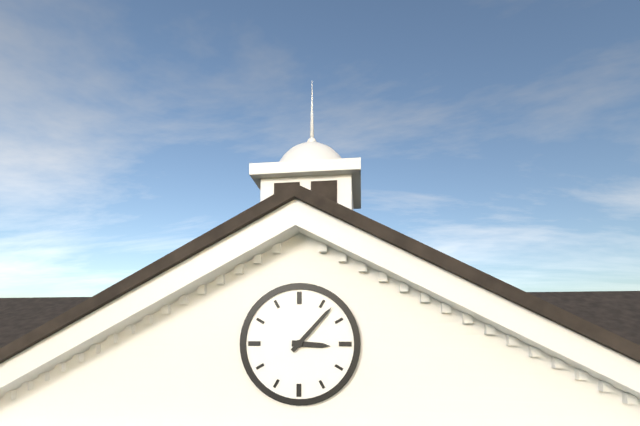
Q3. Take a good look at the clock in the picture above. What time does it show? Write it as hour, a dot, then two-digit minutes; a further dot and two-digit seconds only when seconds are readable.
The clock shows 3.07
